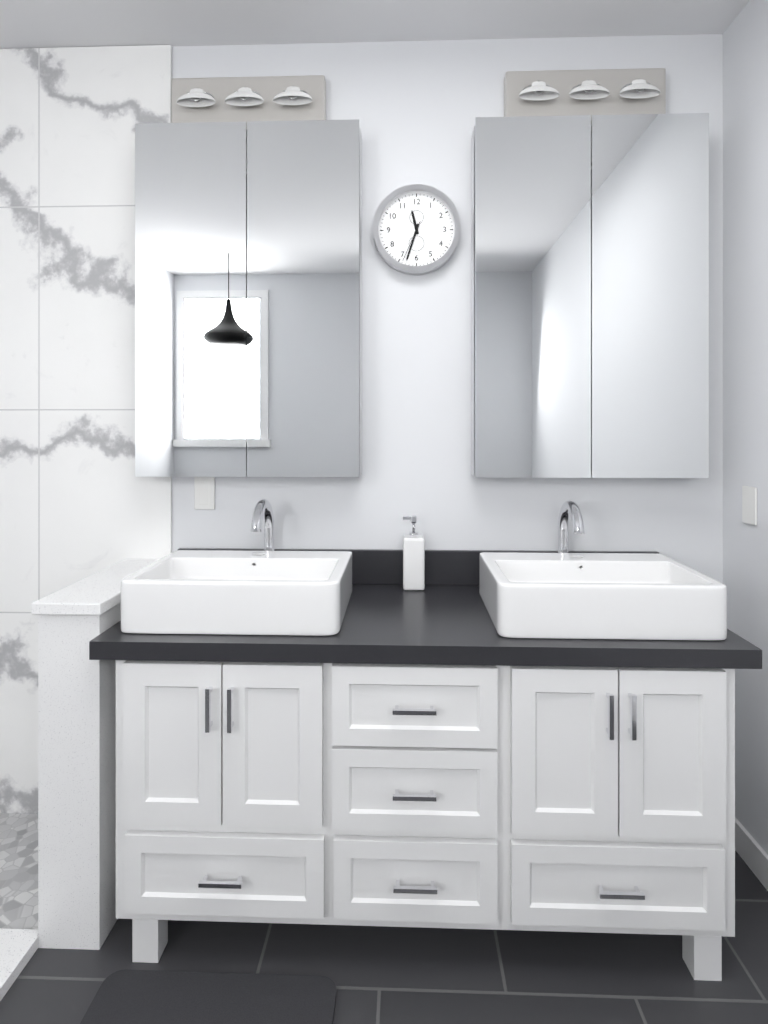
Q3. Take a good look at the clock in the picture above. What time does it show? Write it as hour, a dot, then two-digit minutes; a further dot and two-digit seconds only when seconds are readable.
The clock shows 11.33
